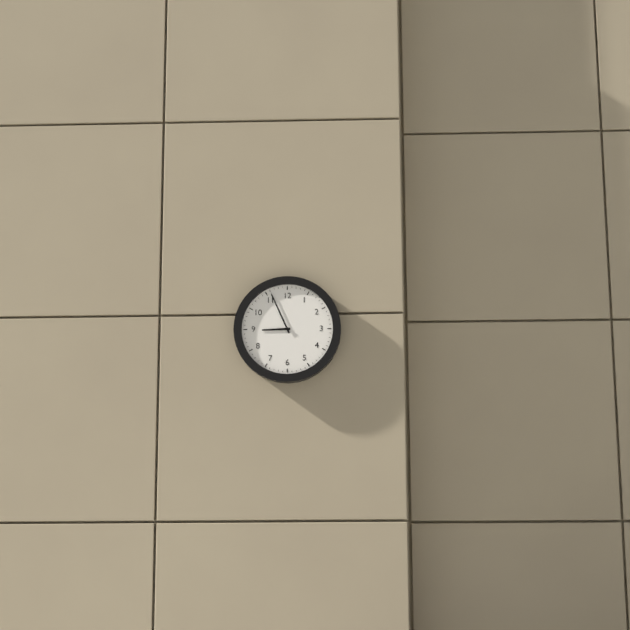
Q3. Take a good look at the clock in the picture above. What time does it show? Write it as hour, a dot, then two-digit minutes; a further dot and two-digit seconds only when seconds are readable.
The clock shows 8.56
